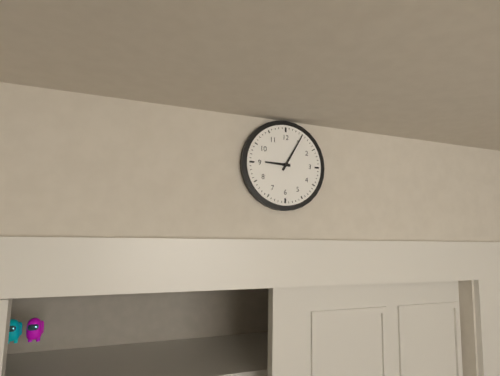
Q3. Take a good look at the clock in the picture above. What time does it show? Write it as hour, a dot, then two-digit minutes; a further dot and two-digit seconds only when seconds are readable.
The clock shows 9.05
